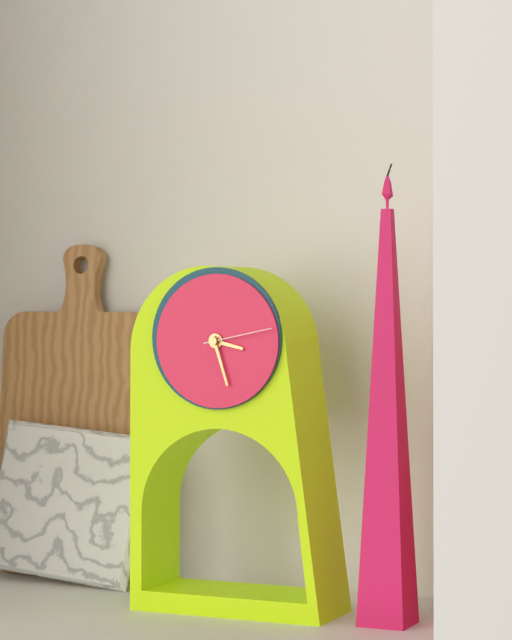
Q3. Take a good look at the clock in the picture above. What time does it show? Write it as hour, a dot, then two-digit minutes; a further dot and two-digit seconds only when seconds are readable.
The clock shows 3.27.13
